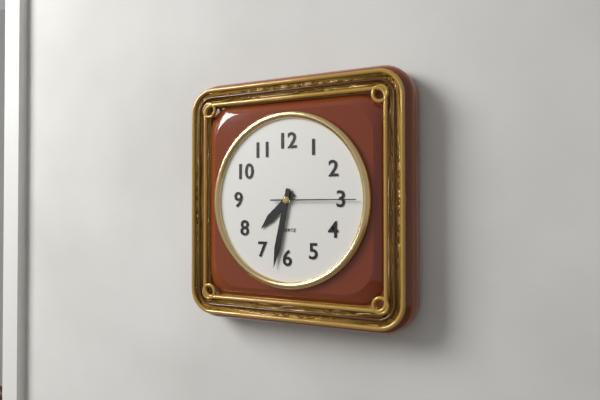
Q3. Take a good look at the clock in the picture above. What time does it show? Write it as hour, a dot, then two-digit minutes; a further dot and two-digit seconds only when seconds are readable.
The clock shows 7.32.15
